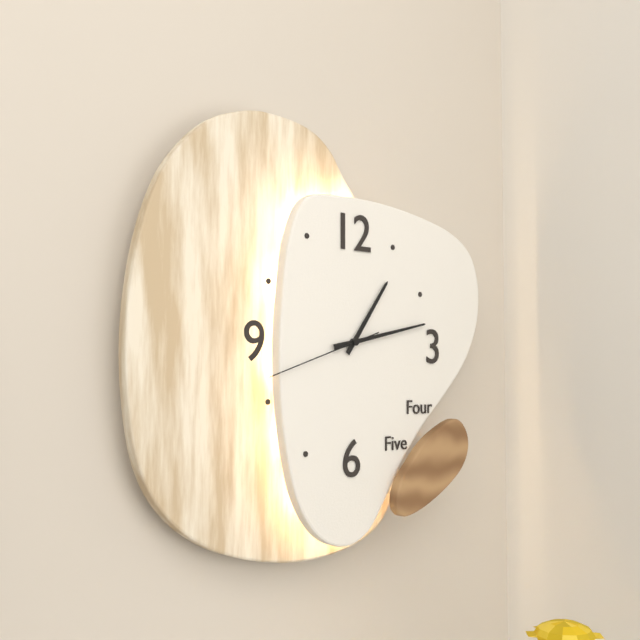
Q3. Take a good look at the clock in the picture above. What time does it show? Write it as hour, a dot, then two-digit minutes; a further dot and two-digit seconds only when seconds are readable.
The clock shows 1.13.42
